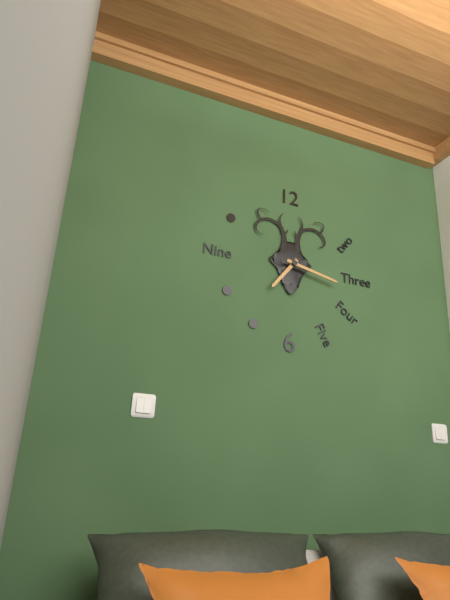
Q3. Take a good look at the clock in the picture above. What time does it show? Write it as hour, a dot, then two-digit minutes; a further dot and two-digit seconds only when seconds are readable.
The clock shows 7.17
